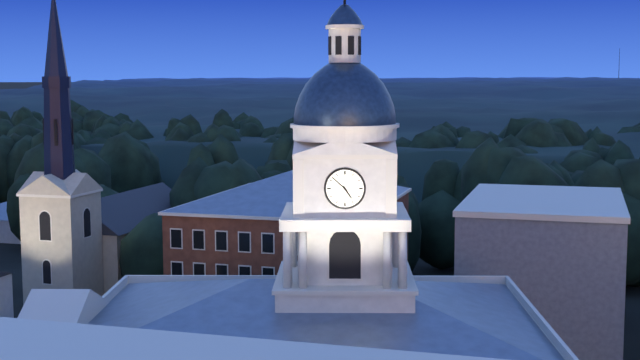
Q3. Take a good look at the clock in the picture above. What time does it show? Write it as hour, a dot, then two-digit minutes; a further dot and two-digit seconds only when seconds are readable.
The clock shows 4.52
